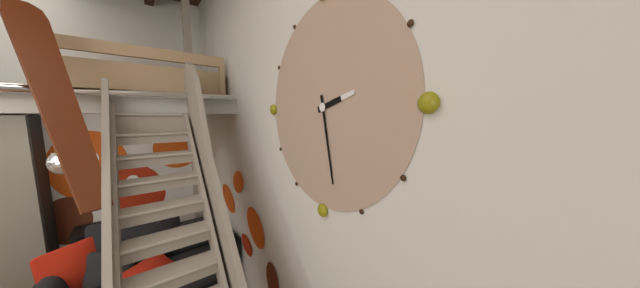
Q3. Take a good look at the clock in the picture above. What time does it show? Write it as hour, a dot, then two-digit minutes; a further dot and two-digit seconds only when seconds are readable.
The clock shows 2.28
